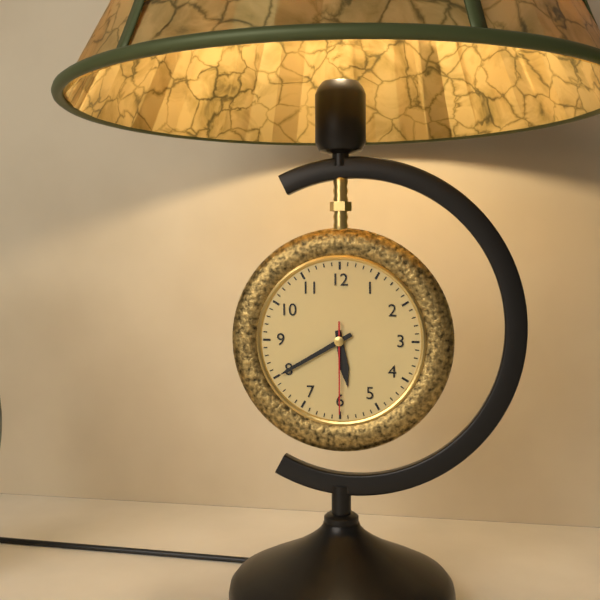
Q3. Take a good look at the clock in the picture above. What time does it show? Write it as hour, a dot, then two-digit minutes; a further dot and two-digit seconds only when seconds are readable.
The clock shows 5.40.30
